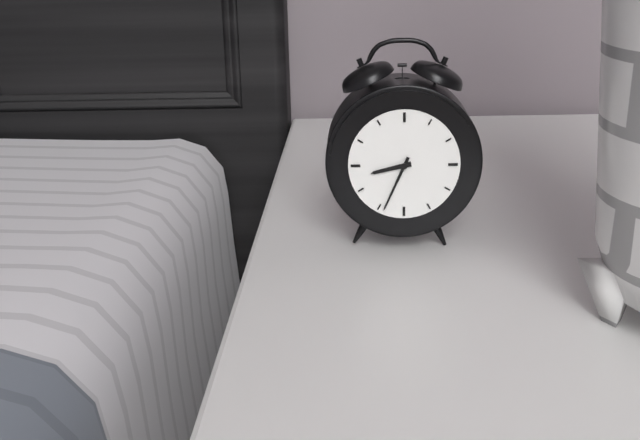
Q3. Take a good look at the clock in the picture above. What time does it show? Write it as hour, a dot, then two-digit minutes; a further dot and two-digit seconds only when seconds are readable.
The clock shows 8.34
